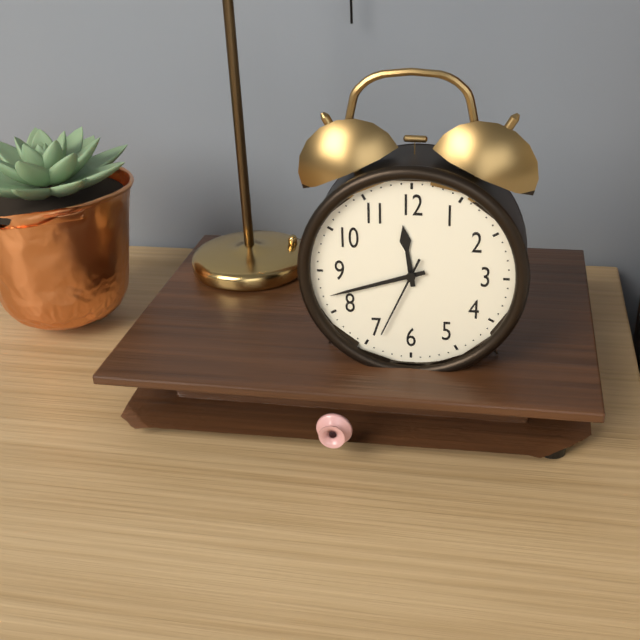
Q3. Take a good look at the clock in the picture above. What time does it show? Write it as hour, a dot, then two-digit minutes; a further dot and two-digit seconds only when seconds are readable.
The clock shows 11.42.34
